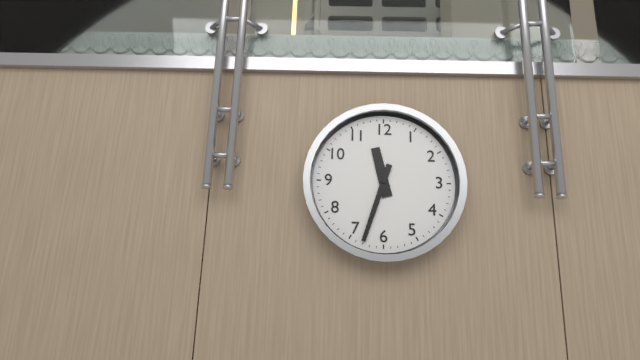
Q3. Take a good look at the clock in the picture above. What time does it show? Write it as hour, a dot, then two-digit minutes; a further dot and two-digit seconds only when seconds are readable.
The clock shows 11.33
